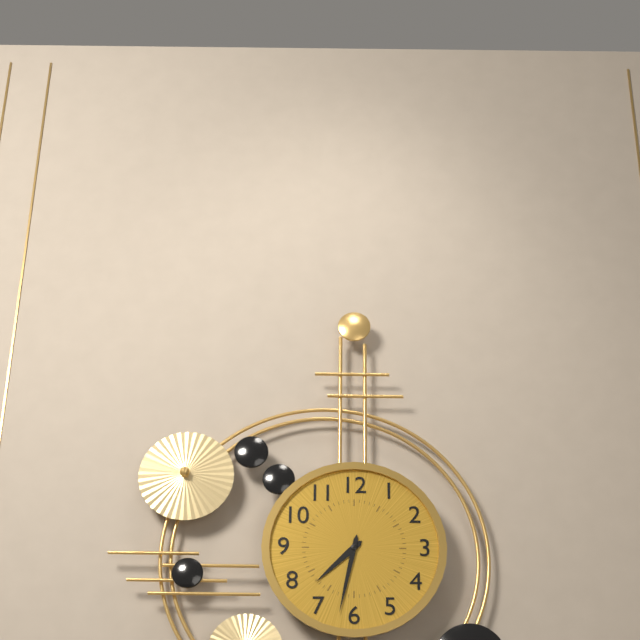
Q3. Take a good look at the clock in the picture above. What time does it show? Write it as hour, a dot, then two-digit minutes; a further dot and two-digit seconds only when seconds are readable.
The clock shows 7.32
